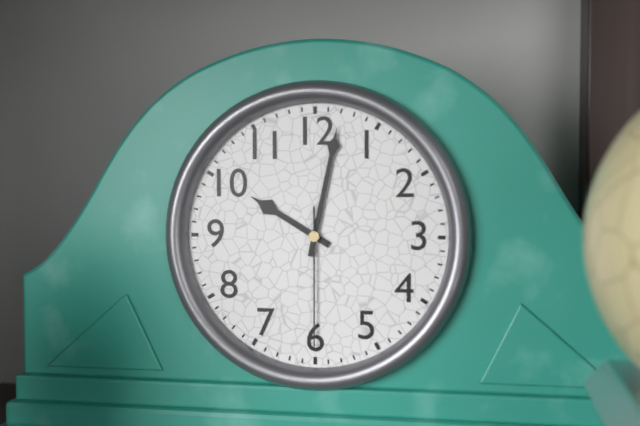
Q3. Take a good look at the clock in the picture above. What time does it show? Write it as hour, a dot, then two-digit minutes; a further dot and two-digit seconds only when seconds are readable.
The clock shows 10.02.30
